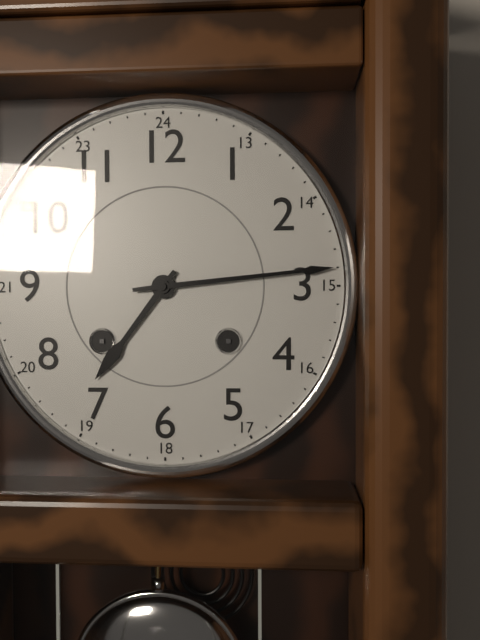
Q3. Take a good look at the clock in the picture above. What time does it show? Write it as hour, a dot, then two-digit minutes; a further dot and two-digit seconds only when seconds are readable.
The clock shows 7.14
